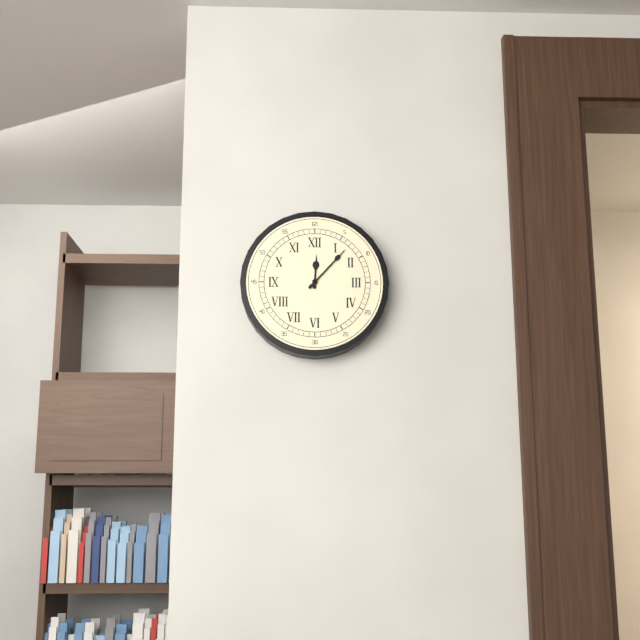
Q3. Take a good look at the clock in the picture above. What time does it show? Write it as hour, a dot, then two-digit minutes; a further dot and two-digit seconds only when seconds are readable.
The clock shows 12.07
